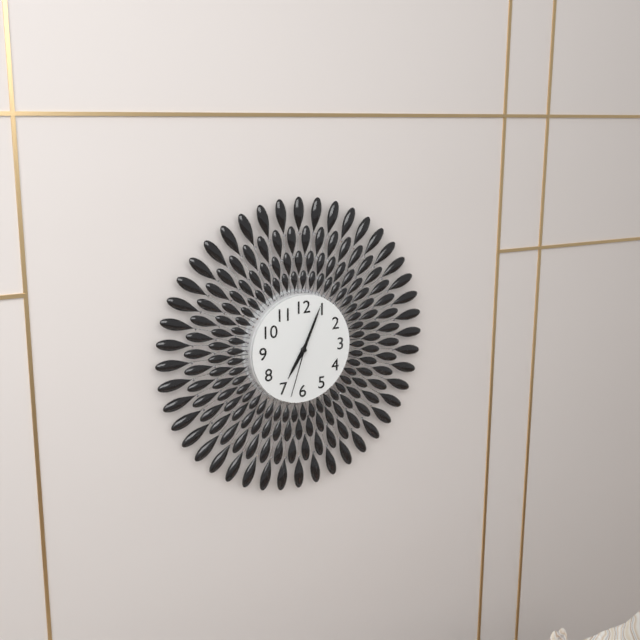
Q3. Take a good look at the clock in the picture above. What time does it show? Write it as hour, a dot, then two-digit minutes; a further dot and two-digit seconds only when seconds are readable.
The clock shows 7.04.33
